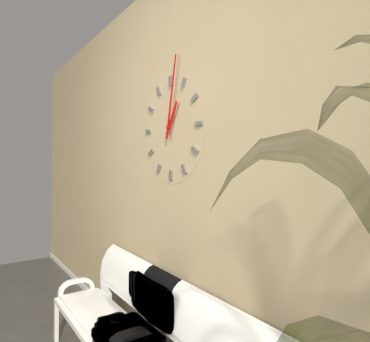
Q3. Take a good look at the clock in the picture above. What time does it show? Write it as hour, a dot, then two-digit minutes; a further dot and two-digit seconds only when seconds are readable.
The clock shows 1.02
